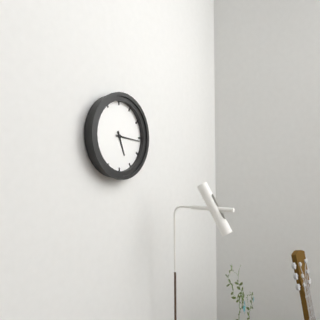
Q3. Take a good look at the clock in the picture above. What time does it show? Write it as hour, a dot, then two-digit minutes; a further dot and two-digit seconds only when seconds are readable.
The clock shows 5.16
